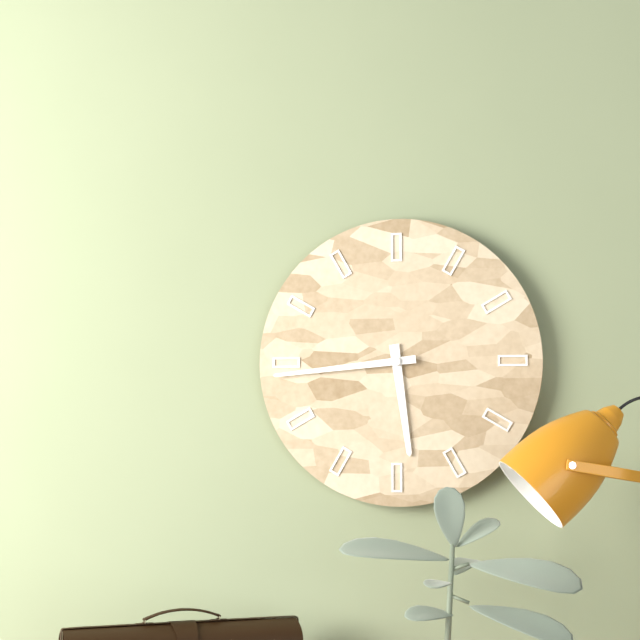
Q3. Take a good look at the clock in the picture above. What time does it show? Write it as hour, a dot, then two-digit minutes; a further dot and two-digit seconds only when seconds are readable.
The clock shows 5.44
